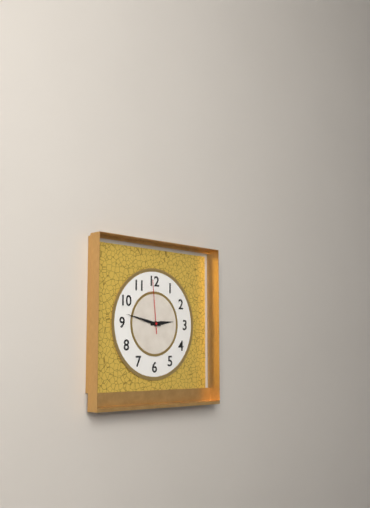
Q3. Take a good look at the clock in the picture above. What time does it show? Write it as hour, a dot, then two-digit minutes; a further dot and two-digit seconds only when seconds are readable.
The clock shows 2.47.59
